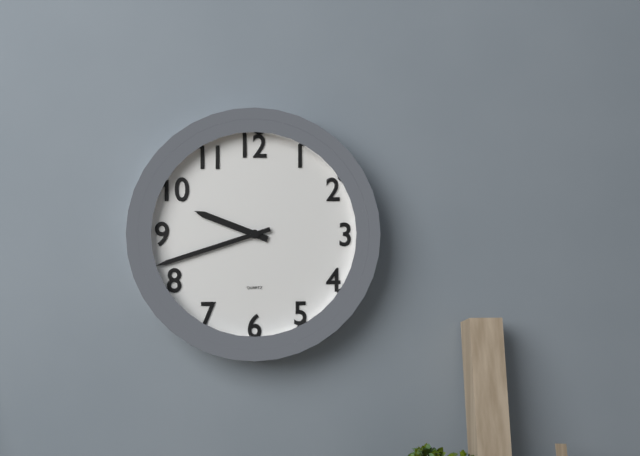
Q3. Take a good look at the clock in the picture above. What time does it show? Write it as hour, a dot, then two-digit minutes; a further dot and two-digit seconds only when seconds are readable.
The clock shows 9.42
